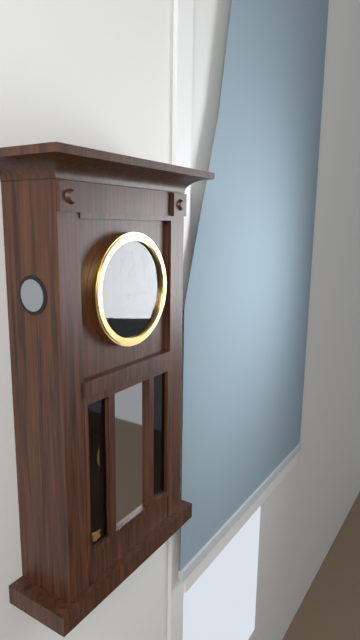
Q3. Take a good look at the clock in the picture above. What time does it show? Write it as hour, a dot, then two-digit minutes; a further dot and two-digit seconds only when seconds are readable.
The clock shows 9.49
